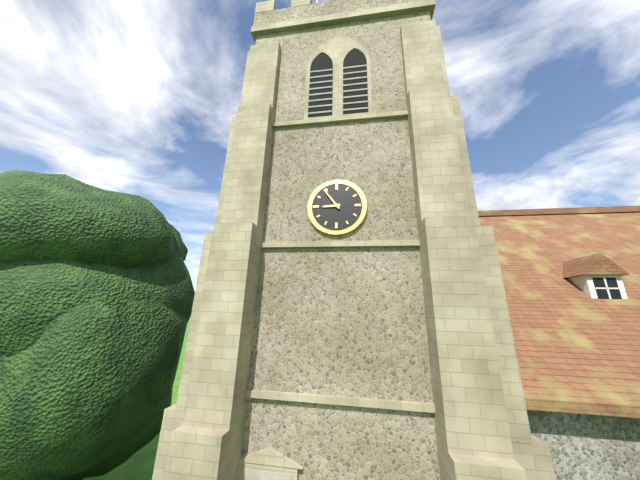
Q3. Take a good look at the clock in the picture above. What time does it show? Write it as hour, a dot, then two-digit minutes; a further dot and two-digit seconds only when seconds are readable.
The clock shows 8.54
